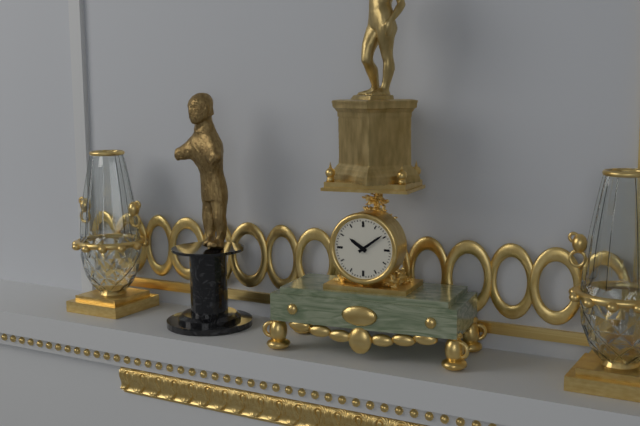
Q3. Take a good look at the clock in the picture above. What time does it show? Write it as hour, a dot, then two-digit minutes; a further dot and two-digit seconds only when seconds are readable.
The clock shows 10.09
